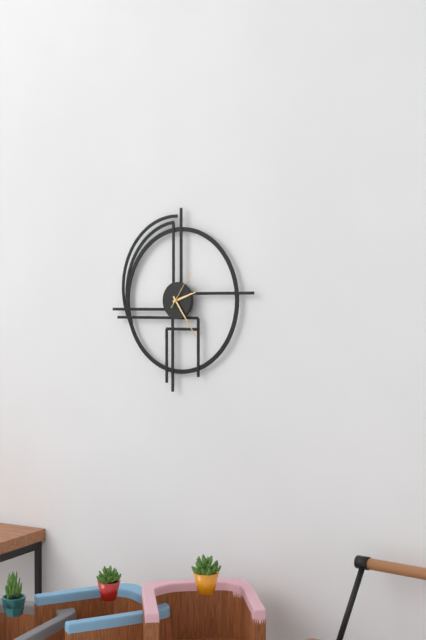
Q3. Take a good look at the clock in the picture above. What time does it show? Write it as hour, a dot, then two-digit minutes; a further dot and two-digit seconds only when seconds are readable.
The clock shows 2.24
